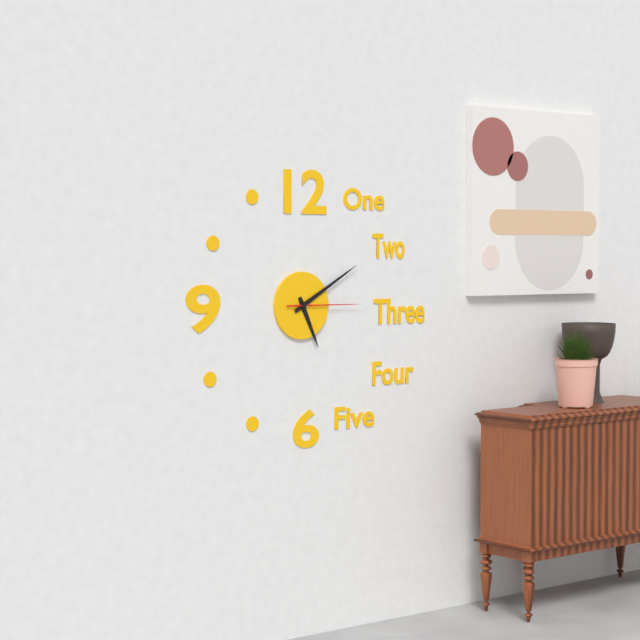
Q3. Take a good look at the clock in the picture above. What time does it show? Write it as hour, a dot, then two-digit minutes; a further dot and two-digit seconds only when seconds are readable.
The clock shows 5.10.15
